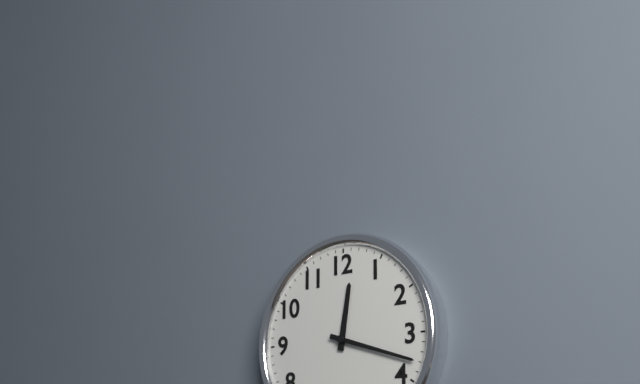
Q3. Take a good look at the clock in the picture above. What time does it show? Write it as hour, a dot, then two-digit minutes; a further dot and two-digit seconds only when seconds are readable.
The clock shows 12.18
